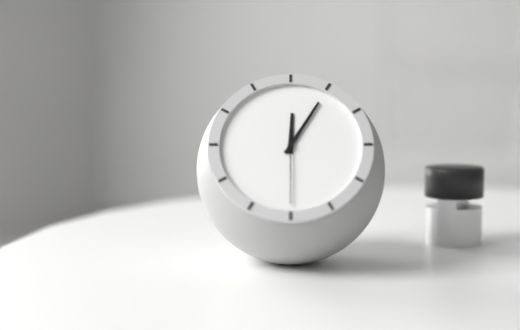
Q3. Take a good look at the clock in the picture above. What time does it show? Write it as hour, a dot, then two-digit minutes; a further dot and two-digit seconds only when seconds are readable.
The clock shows 12.05
